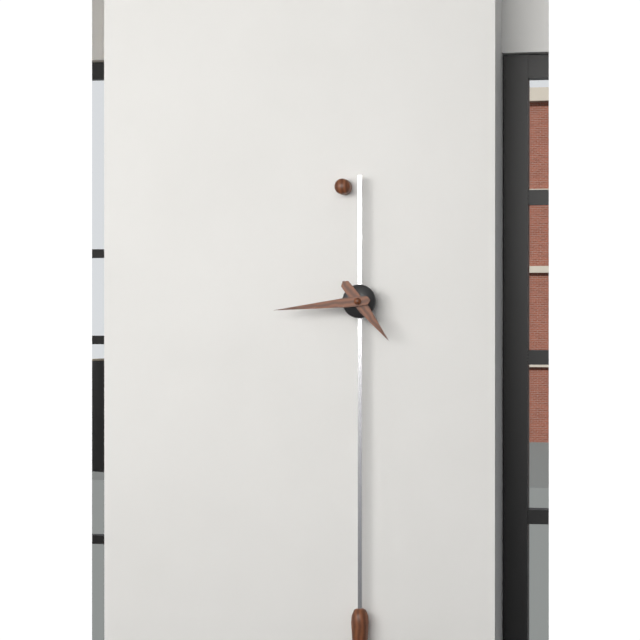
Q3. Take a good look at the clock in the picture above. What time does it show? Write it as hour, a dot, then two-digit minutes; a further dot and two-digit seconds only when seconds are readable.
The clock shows 4.44
